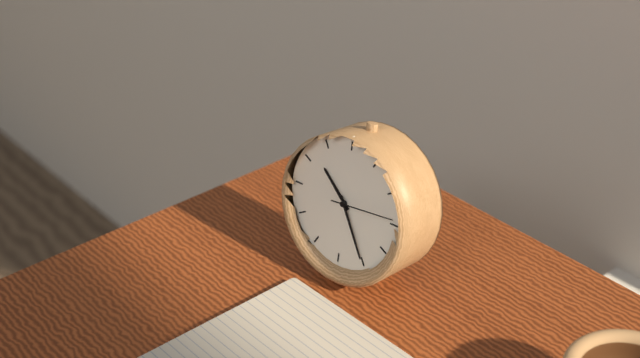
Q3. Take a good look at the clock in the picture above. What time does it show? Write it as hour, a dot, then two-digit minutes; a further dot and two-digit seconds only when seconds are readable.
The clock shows 10.25.14
